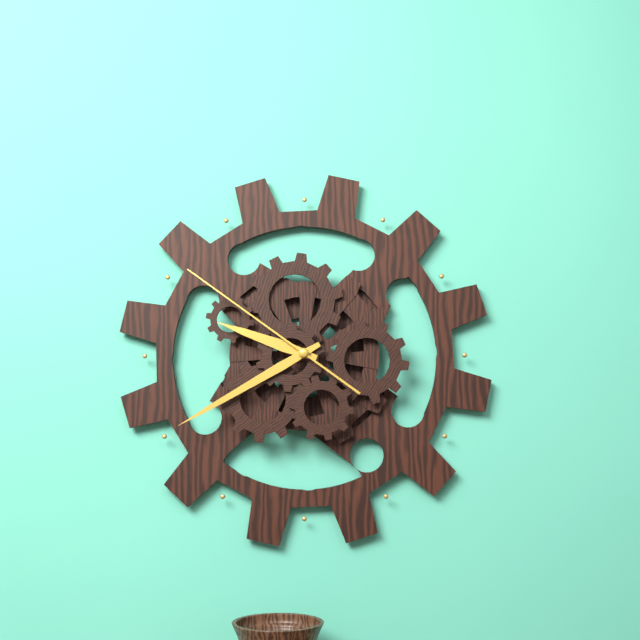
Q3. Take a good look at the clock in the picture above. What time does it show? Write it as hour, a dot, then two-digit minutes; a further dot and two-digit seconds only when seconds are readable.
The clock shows 9.40.51
